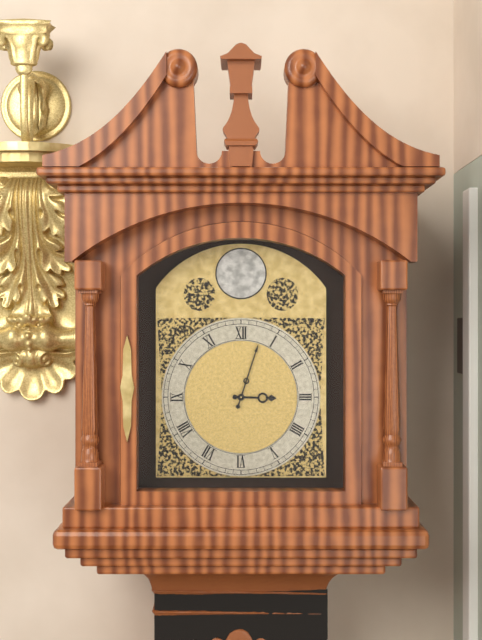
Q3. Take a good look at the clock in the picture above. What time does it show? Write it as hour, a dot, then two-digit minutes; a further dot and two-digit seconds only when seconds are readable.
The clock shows 3.03
